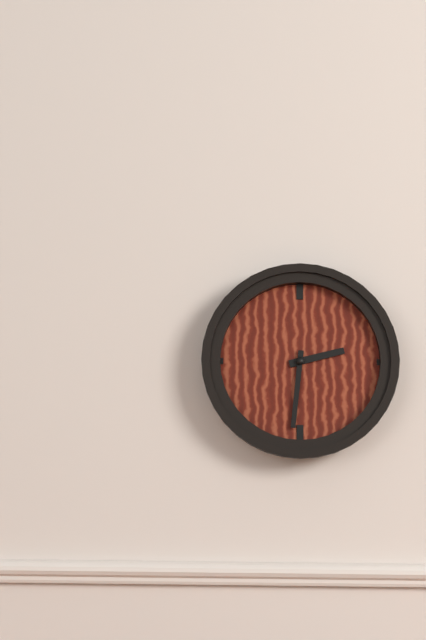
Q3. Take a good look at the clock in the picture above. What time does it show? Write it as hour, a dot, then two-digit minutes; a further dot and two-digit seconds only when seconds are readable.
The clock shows 2.31
